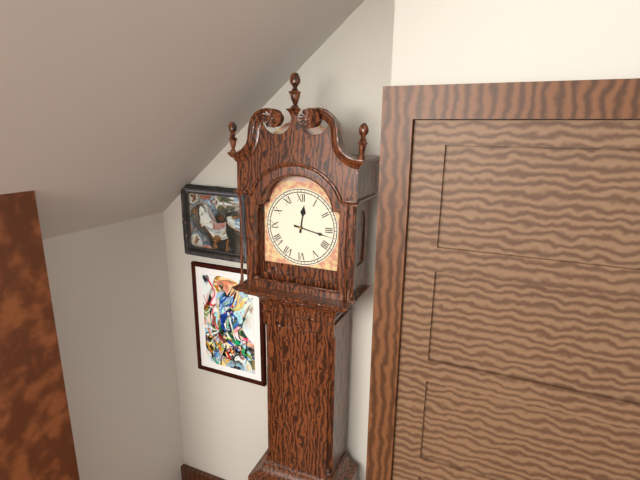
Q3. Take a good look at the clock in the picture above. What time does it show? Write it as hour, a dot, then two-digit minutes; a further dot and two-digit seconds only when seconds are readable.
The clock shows 12.17
